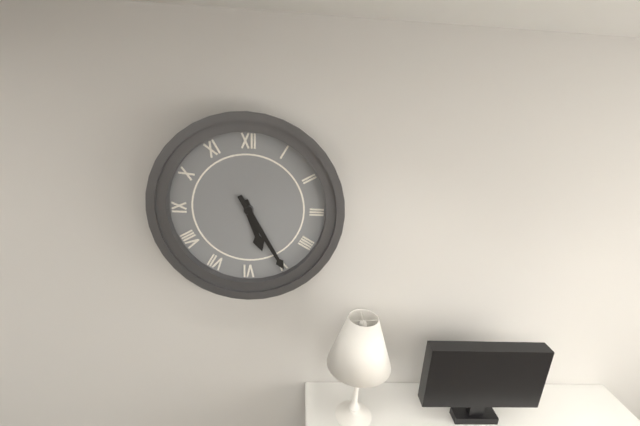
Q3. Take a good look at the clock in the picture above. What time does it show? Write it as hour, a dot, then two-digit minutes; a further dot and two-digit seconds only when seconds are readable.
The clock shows 5.25
